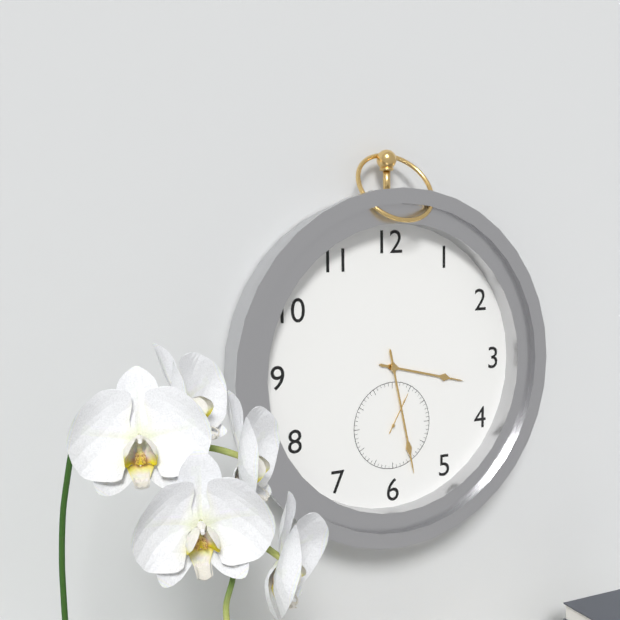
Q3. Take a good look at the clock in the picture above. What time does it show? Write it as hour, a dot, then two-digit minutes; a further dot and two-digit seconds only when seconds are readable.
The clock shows 3.28
